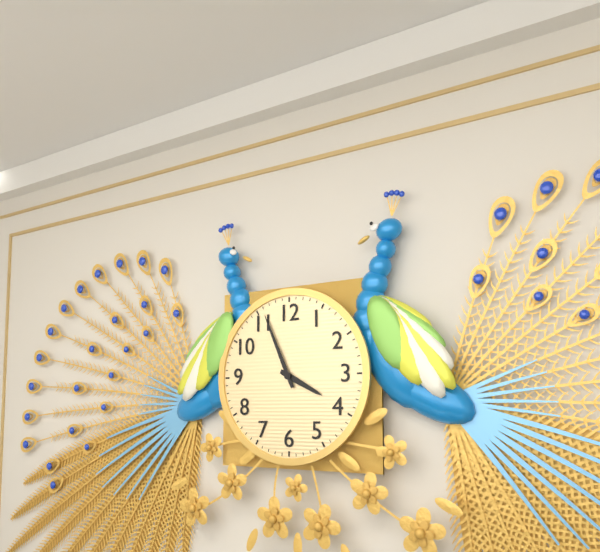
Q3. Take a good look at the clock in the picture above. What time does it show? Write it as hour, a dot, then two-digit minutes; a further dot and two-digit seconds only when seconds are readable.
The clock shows 3.56
